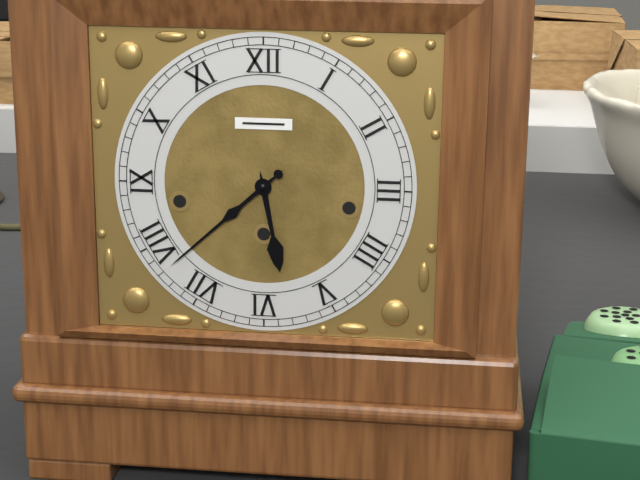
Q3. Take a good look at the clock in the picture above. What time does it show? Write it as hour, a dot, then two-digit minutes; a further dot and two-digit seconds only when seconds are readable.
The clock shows 5.38
